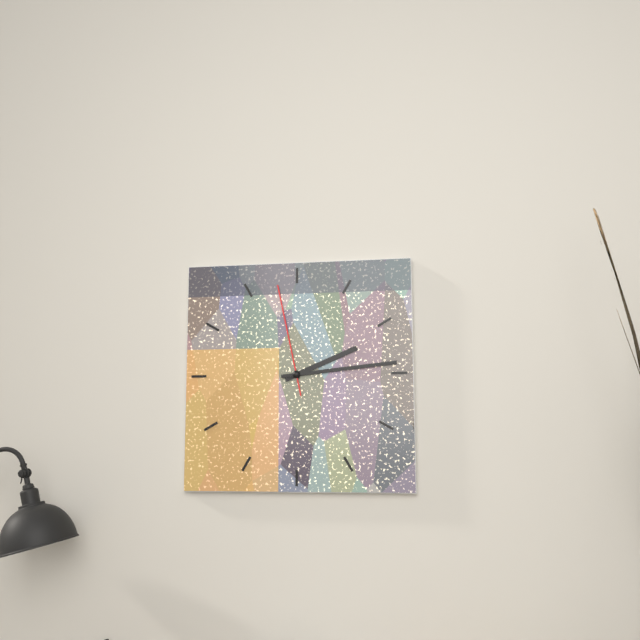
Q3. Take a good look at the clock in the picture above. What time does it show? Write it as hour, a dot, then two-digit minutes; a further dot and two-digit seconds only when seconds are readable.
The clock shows 2.14.58
